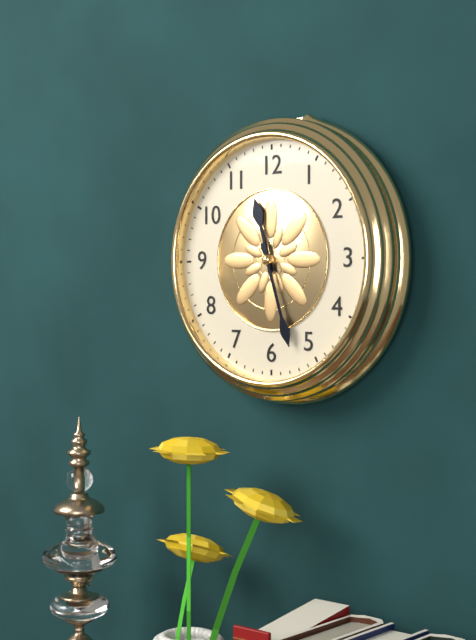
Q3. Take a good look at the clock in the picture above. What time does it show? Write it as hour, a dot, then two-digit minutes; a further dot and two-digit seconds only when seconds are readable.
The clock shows 11.27
